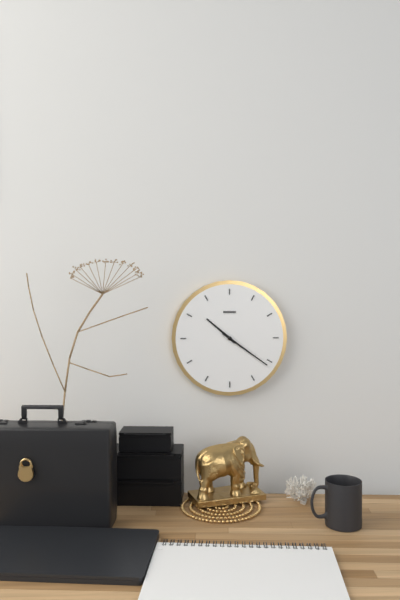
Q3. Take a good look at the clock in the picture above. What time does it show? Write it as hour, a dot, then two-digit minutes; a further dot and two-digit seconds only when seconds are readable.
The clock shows 10.21
